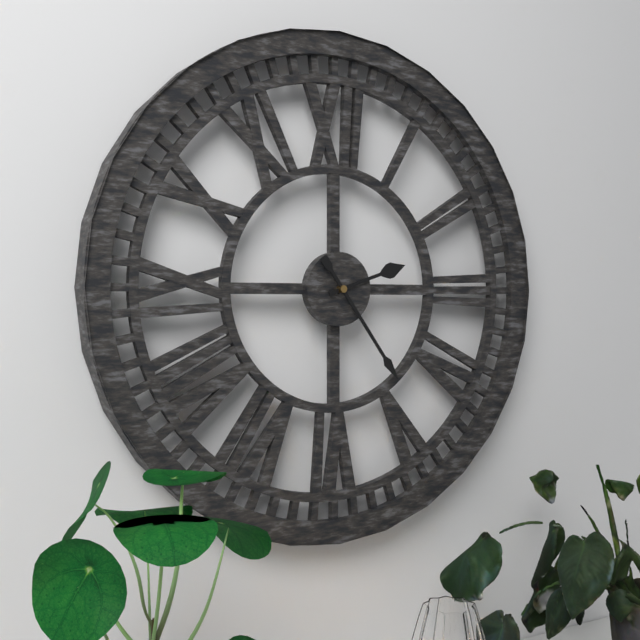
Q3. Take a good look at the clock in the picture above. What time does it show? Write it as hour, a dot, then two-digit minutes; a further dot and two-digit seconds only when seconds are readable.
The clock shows 2.24
